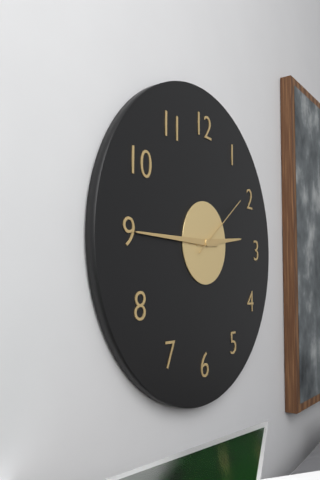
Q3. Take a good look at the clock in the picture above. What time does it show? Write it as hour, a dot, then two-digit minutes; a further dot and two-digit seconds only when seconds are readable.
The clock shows 2.45.09
